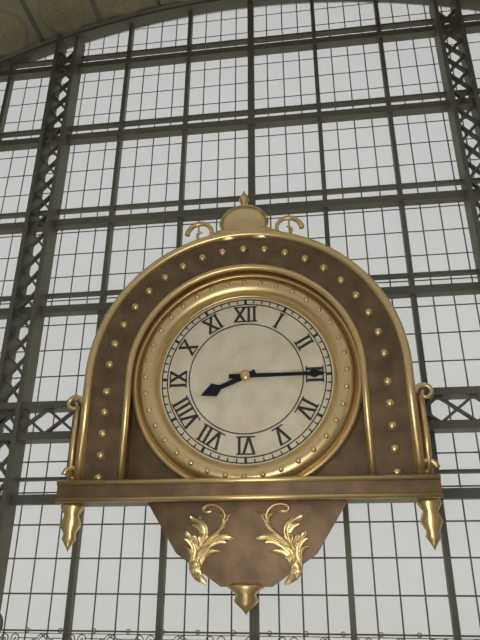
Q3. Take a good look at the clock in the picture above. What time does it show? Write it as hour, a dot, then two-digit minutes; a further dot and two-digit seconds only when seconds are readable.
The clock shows 8.15
